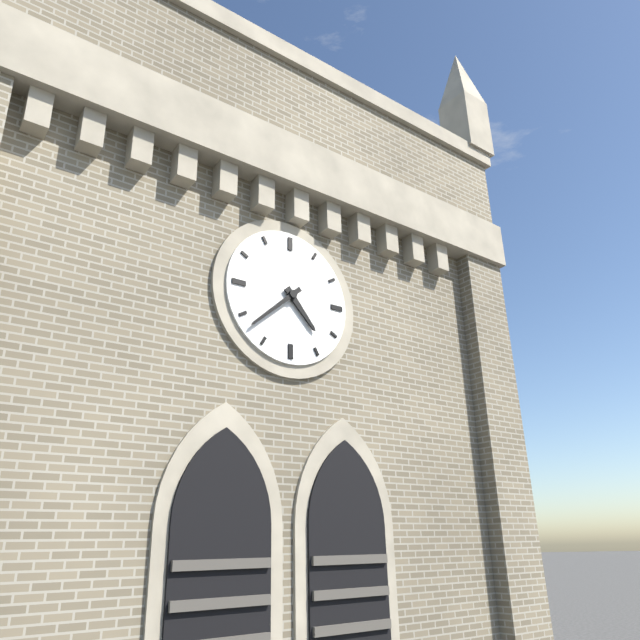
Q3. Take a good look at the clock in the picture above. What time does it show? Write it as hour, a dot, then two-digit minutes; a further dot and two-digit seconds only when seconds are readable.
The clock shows 4.38
